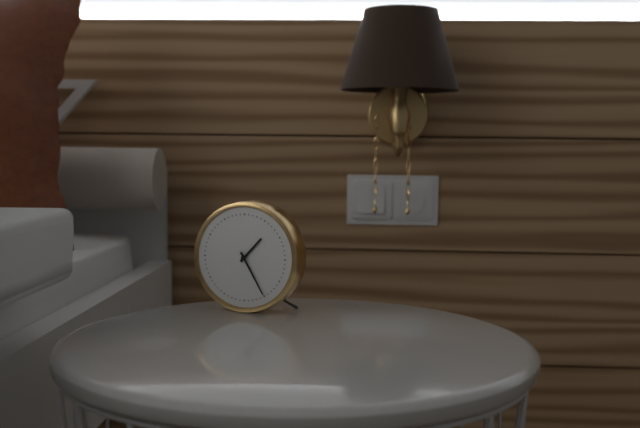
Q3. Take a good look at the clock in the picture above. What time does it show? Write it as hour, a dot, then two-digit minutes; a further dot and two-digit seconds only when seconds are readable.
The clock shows 1.25
